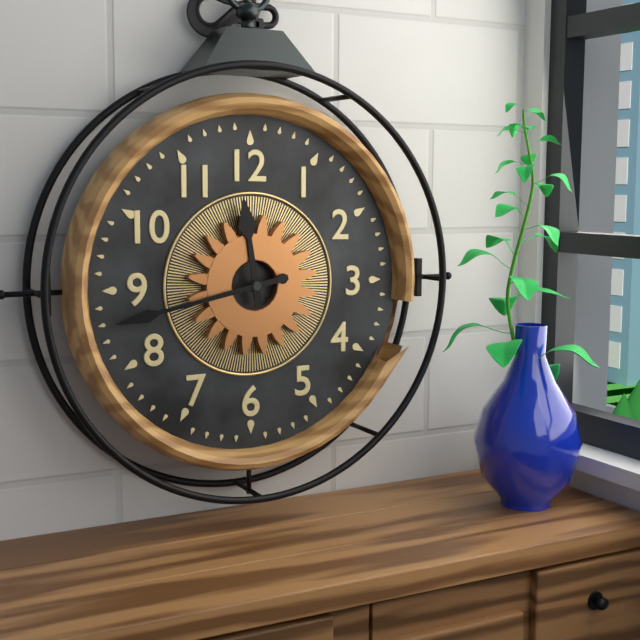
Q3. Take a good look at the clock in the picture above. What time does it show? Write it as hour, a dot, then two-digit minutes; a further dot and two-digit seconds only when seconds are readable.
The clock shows 11.43
